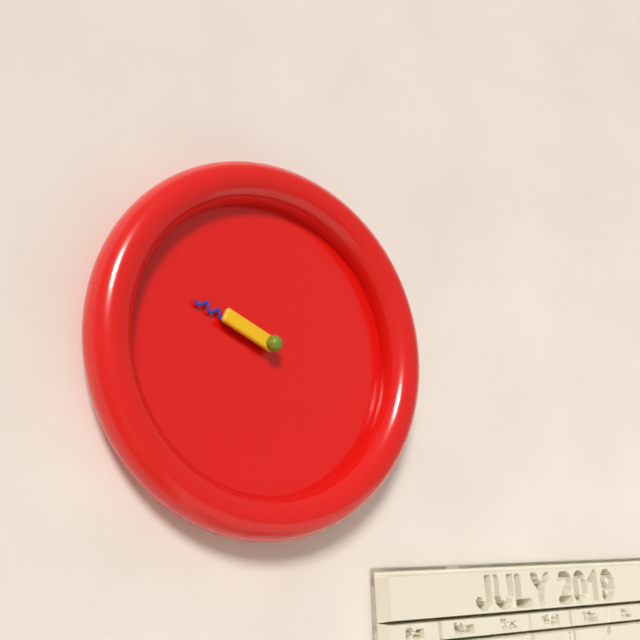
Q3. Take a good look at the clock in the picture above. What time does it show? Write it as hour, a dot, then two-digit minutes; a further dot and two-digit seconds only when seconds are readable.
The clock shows 9.49
